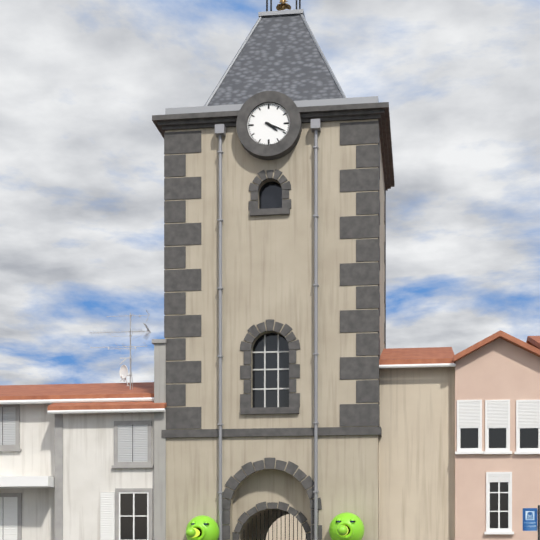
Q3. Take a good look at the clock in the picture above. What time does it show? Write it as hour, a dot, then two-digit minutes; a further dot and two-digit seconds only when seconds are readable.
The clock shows 4.19
